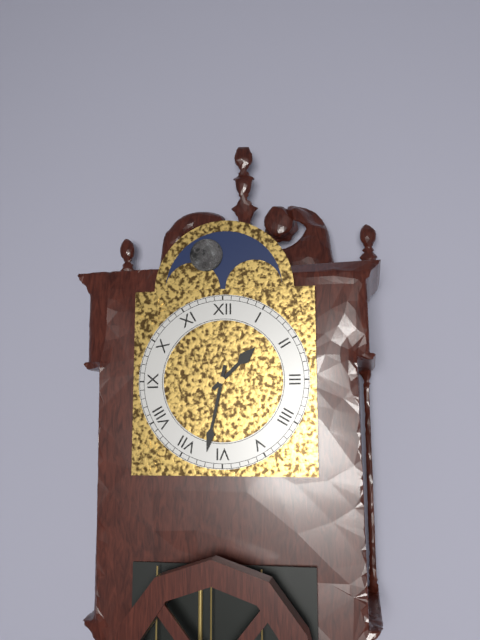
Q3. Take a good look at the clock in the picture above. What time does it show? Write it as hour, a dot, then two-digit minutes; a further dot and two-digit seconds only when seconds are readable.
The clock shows 1.32
